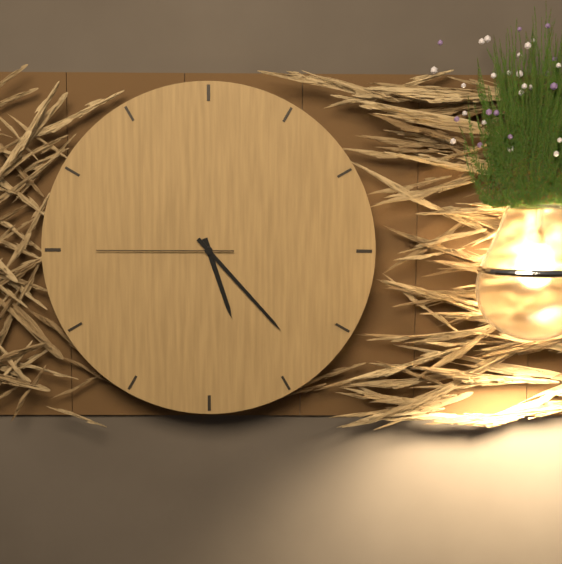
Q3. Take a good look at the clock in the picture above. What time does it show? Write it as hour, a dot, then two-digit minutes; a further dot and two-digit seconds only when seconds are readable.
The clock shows 5.23.45
